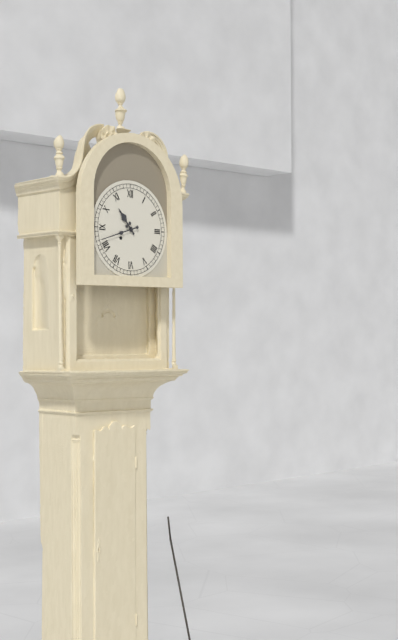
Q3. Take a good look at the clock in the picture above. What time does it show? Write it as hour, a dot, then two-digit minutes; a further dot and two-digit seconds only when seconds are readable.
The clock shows 10.42
